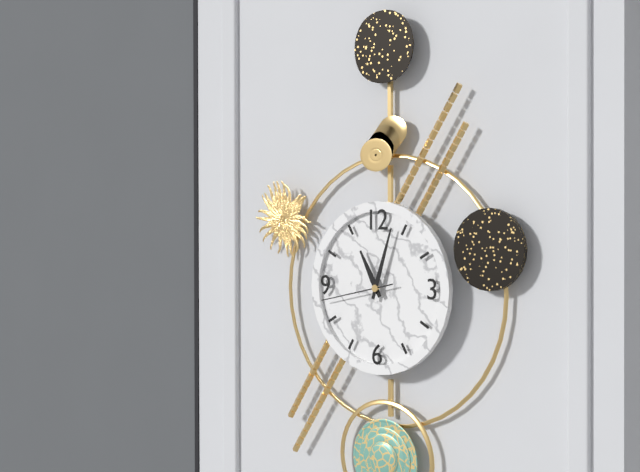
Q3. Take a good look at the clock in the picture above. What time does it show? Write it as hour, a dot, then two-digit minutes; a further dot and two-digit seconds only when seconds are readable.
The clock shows 11.03.43
